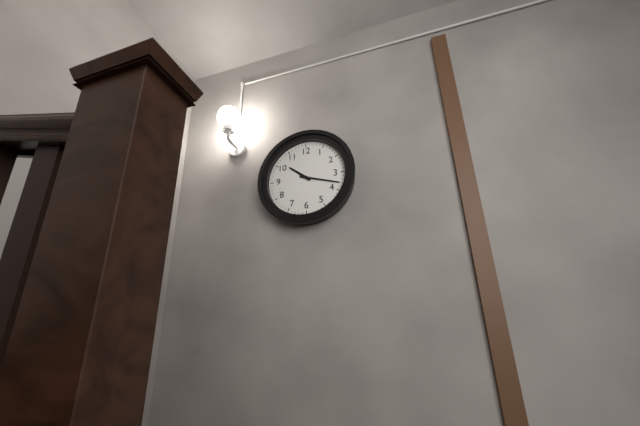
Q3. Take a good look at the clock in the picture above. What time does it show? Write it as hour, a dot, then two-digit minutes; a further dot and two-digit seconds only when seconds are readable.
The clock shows 10.18
